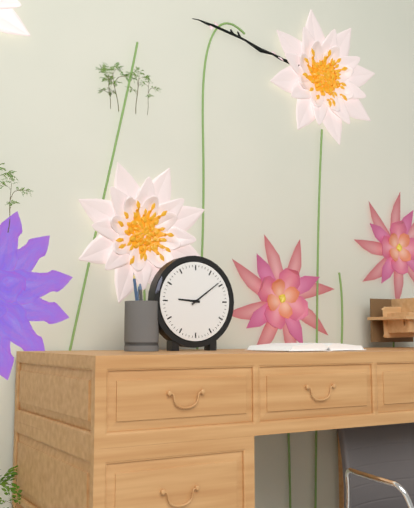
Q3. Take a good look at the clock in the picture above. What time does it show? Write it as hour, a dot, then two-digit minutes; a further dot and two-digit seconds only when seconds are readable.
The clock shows 9.09
